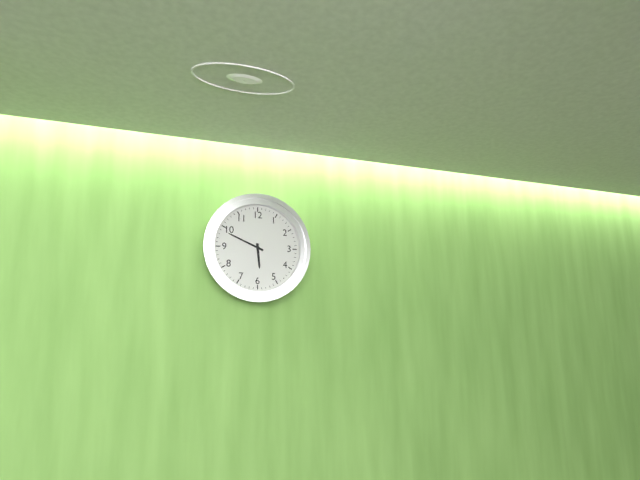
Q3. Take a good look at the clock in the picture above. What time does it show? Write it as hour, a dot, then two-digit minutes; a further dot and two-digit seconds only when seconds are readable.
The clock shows 5.49
